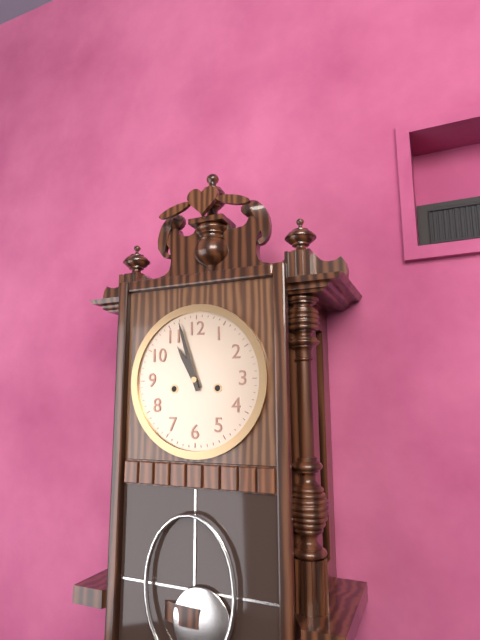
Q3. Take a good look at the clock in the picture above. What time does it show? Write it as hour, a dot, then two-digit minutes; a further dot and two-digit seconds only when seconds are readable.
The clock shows 10.57
